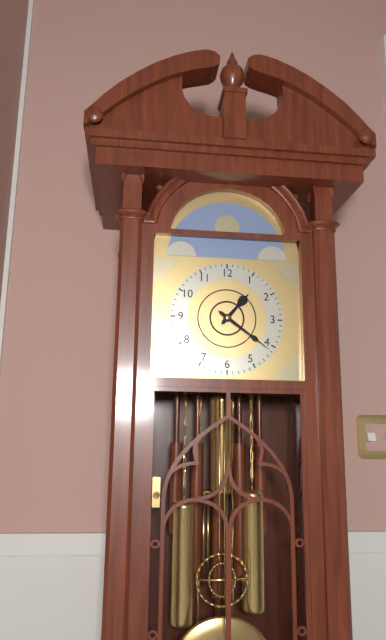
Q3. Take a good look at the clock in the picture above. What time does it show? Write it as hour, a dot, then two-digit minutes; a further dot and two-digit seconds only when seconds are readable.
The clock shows 1.21
